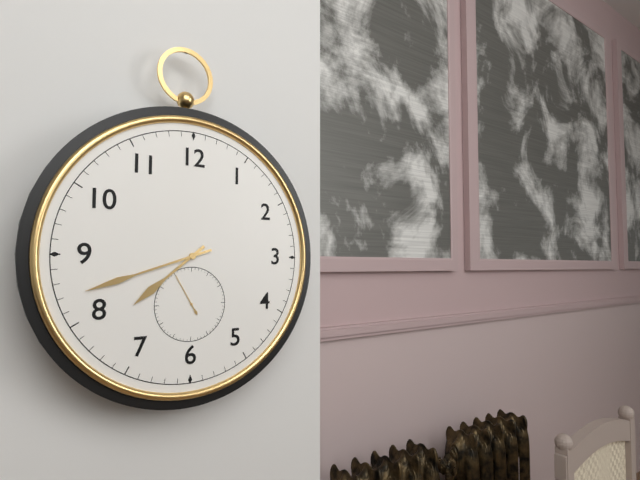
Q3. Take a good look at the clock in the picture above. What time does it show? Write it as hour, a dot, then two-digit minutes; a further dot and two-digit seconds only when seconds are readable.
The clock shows 7.42
